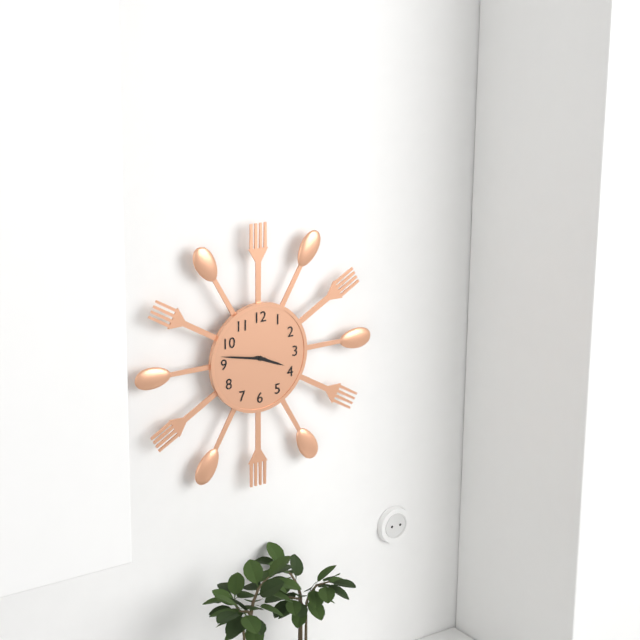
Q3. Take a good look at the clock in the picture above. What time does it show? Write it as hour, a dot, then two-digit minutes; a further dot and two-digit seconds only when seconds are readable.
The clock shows 3.47
